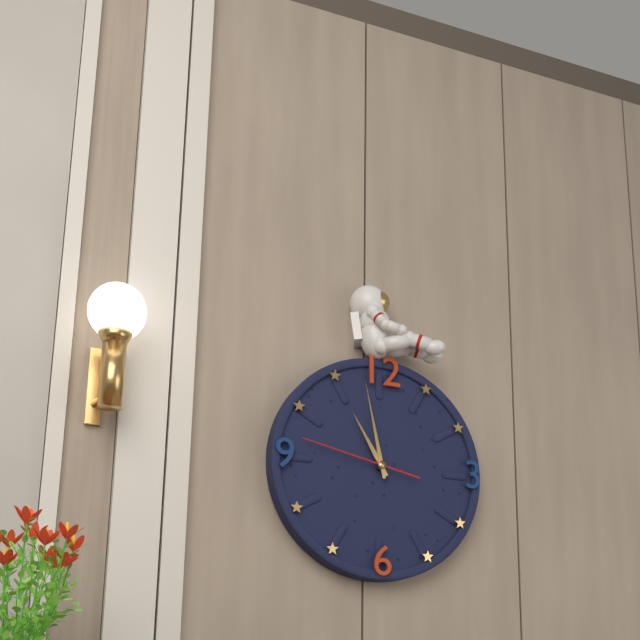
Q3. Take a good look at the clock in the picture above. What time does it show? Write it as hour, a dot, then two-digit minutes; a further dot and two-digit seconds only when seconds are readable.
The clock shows 10.58.47
